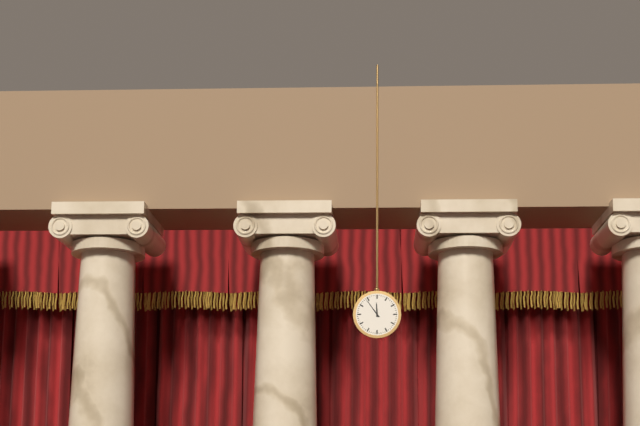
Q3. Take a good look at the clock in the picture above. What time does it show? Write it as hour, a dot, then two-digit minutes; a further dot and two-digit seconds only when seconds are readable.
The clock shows 11.54
